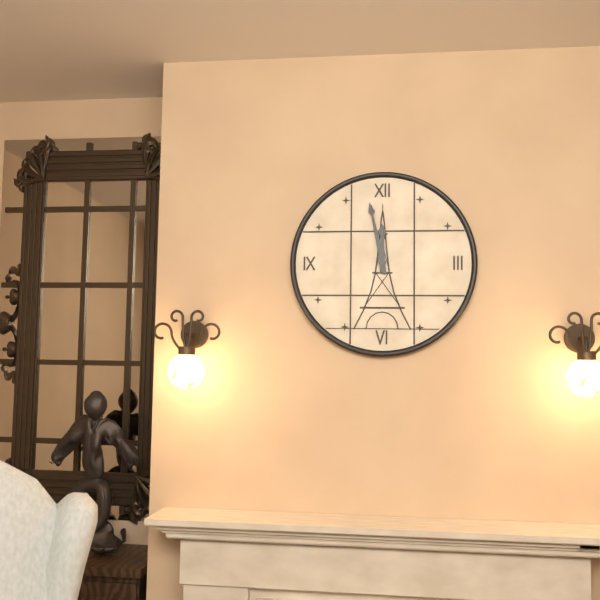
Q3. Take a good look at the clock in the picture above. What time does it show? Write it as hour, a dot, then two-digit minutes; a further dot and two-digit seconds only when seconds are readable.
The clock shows 11.58
